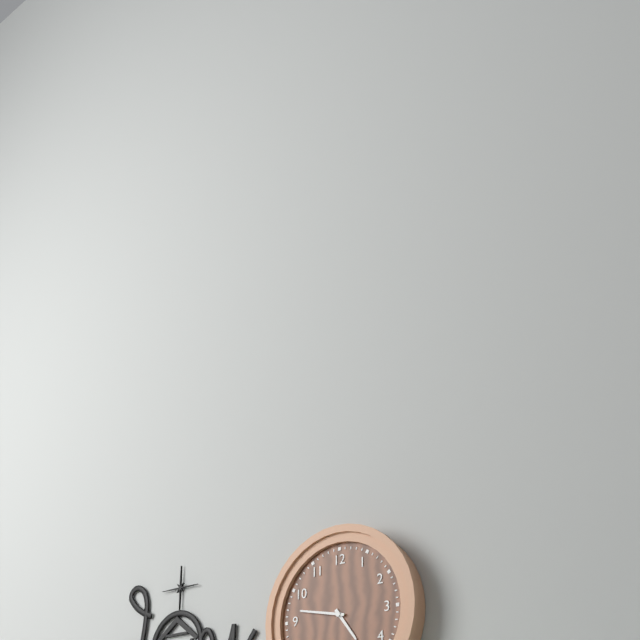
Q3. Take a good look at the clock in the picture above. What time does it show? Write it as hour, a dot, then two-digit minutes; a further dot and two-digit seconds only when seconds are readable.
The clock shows 4.47
